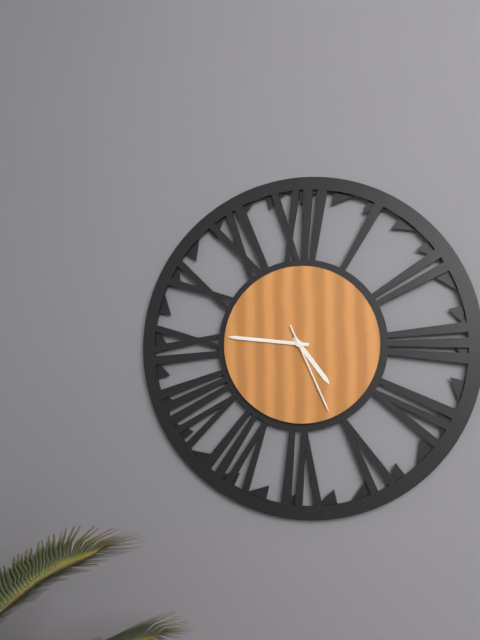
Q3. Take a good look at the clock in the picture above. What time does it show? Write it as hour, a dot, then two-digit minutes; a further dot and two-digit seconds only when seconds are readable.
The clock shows 4.46.26
